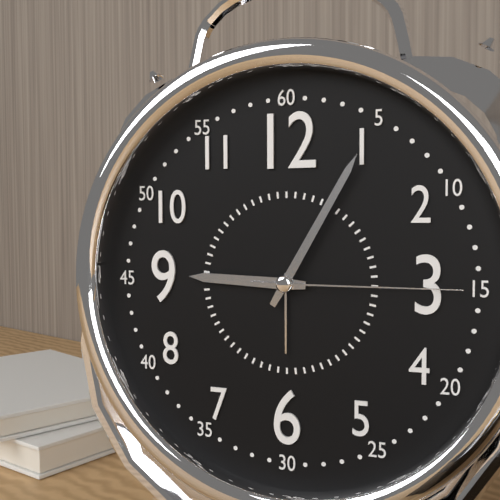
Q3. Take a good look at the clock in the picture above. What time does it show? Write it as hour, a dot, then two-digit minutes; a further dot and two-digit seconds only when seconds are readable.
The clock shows 9.05.15
